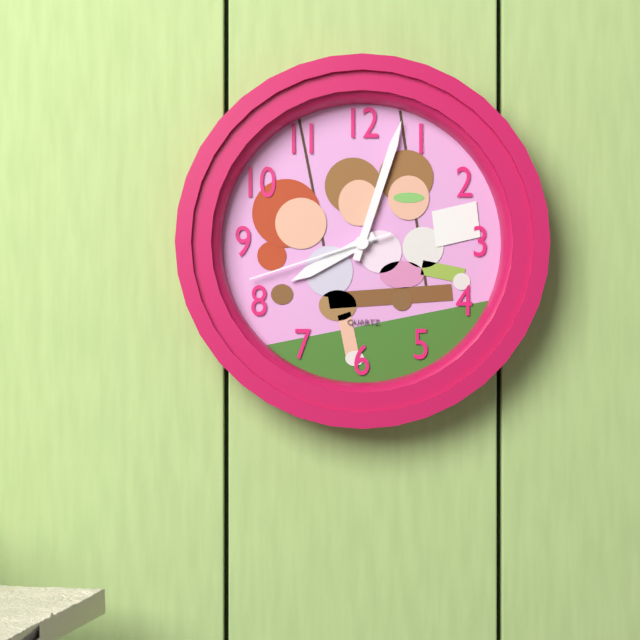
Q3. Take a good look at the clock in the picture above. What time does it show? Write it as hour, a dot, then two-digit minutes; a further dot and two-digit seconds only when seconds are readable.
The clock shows 8.03.42
